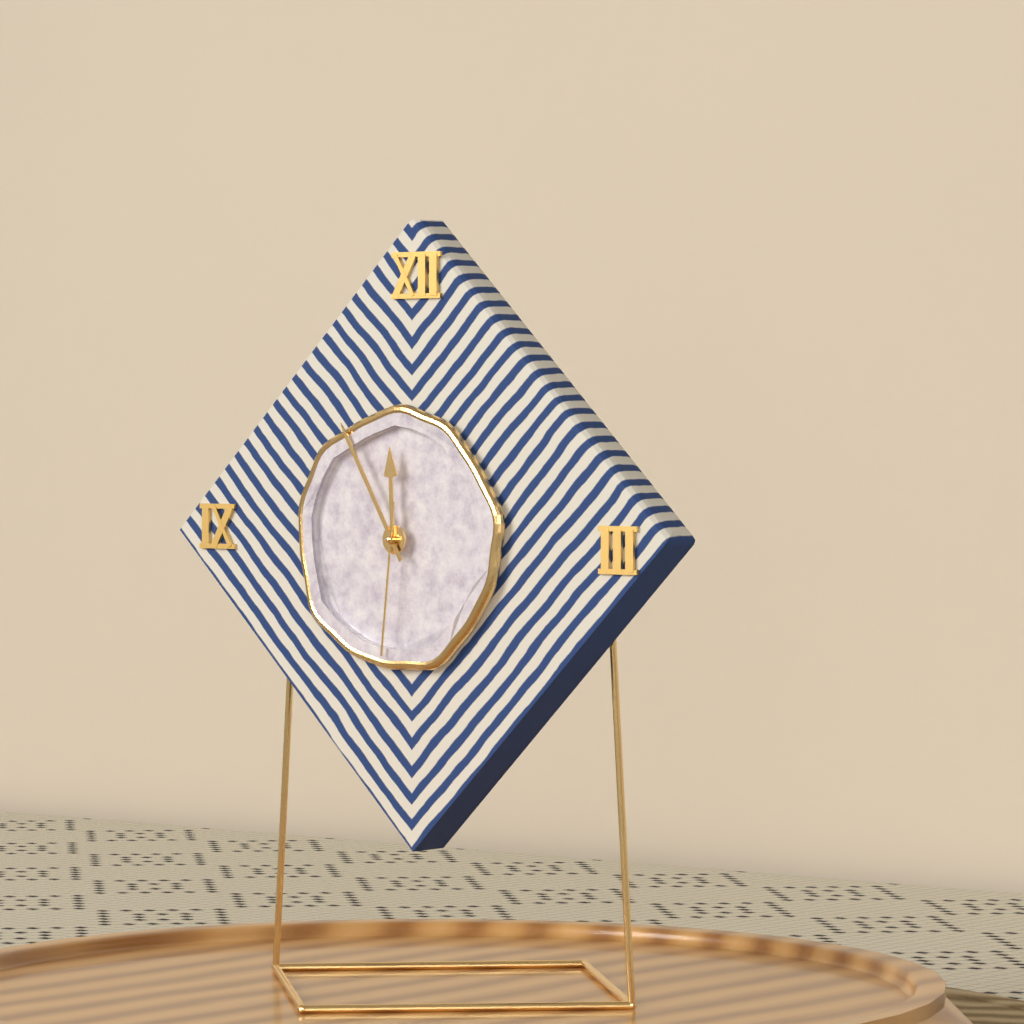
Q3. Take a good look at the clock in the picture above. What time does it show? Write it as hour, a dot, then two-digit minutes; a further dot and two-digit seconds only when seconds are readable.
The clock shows 11.55.31
